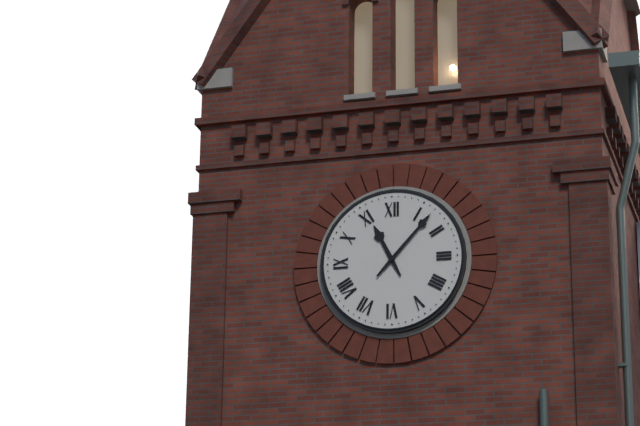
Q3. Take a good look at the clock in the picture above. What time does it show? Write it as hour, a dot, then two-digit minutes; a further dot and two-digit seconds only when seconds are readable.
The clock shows 11.07
